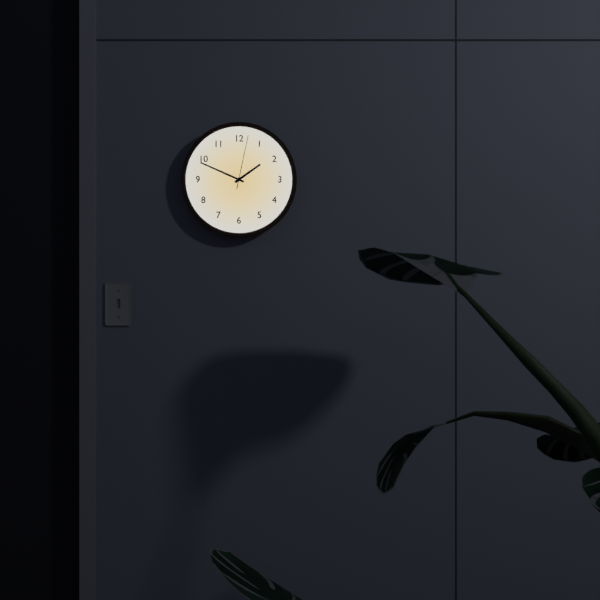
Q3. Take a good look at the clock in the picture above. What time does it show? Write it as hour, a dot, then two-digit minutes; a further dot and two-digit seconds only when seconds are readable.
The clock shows 1.49.02
